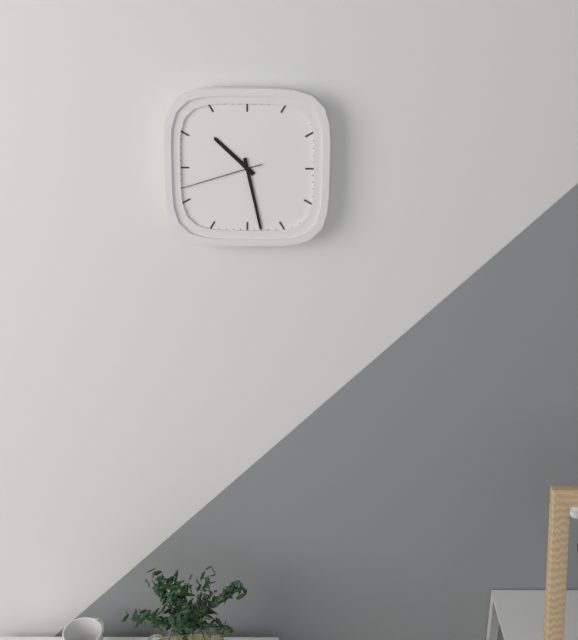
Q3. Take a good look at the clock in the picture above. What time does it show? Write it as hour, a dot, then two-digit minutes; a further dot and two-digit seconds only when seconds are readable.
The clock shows 10.28.42
